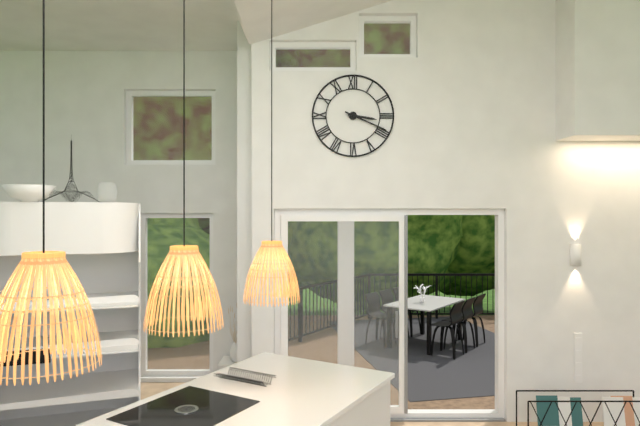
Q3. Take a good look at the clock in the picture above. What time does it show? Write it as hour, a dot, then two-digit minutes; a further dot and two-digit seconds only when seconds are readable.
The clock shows 3.19
